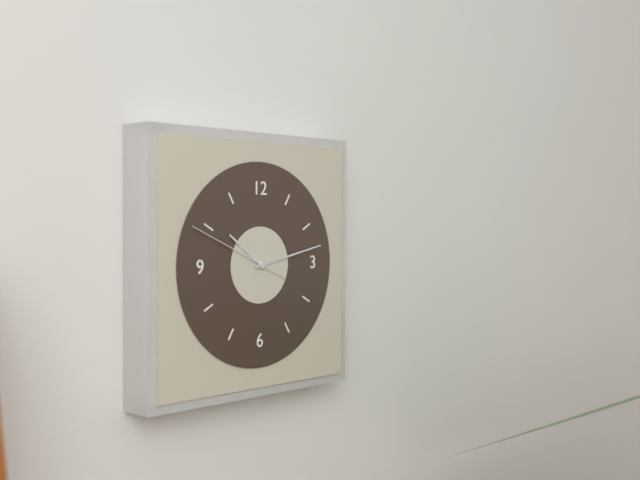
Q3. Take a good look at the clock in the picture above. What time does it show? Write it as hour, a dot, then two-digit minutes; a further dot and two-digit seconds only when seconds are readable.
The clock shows 10.13.49
